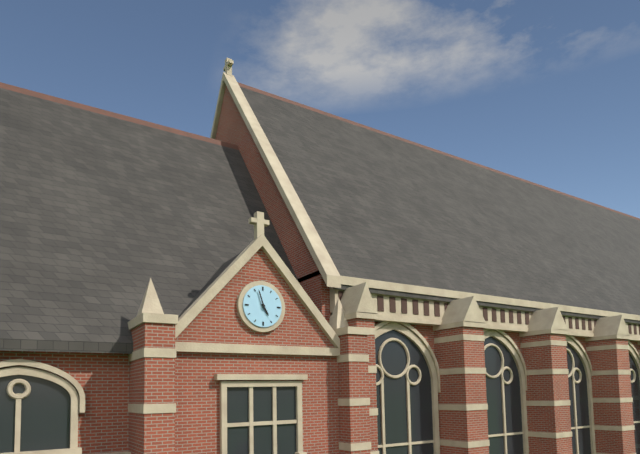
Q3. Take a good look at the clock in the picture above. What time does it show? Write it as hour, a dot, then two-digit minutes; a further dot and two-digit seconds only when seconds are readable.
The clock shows 4.57
